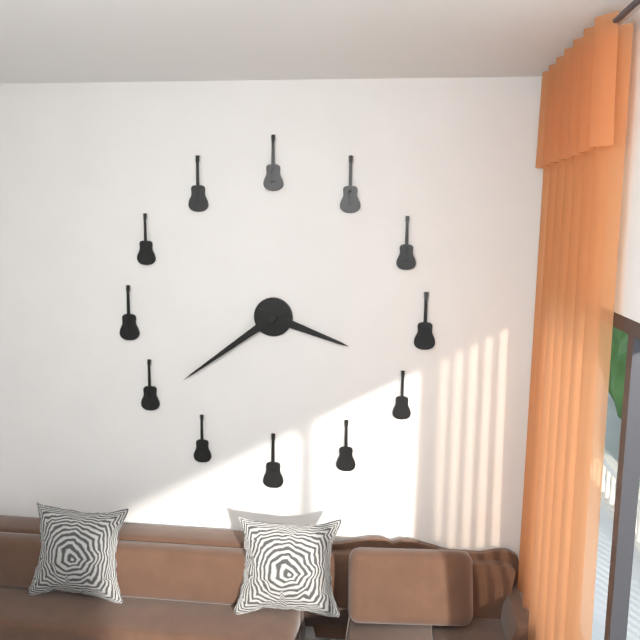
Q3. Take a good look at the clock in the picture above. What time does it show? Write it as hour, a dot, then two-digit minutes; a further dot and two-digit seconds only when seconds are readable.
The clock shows 3.39
